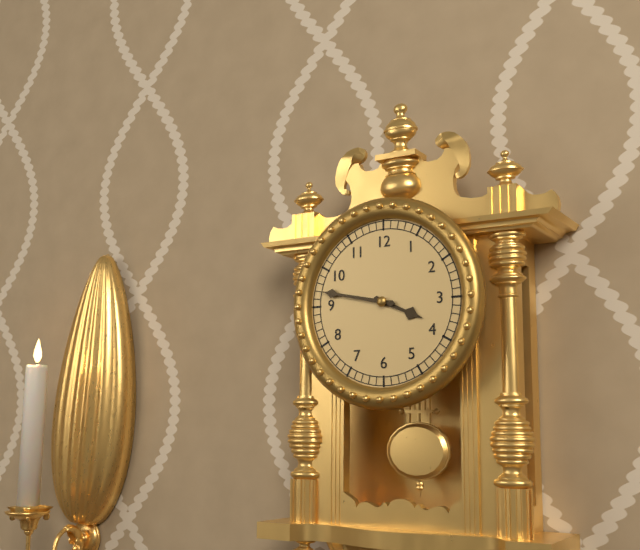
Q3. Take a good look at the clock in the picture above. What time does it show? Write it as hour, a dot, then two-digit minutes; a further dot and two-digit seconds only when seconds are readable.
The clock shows 3.47
